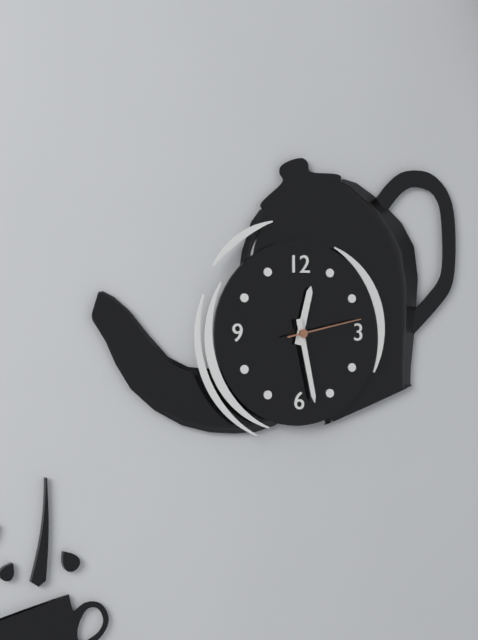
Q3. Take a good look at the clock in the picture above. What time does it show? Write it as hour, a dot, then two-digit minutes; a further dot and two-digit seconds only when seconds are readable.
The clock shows 12.28.13
